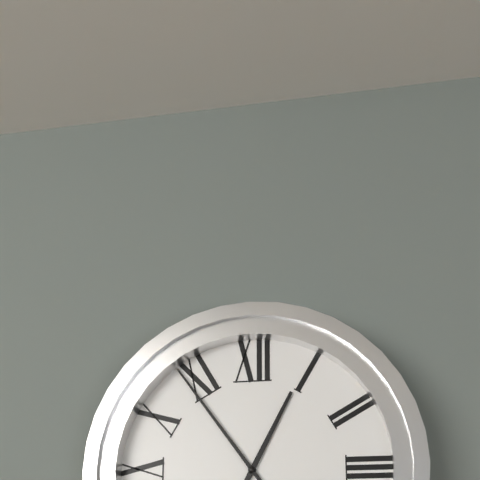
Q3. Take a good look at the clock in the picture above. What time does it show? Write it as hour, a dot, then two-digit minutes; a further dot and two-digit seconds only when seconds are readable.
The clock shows 12.54
